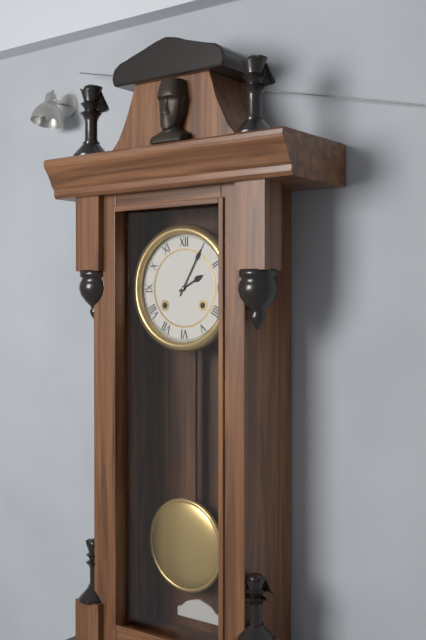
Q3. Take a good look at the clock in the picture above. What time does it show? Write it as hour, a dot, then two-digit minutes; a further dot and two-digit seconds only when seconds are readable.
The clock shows 2.05
